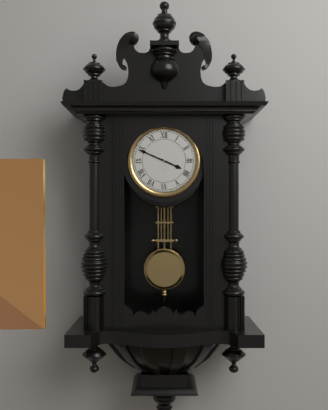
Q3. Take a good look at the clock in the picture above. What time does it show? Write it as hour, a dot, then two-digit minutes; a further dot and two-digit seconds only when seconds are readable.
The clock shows 3.49
